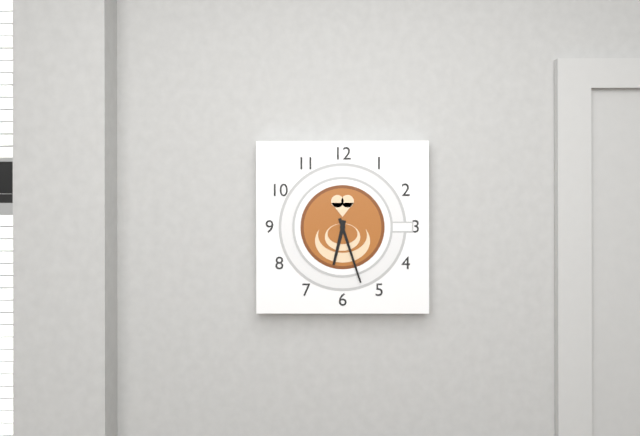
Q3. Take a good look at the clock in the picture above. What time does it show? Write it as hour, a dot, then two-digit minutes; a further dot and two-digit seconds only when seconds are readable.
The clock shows 6.27
